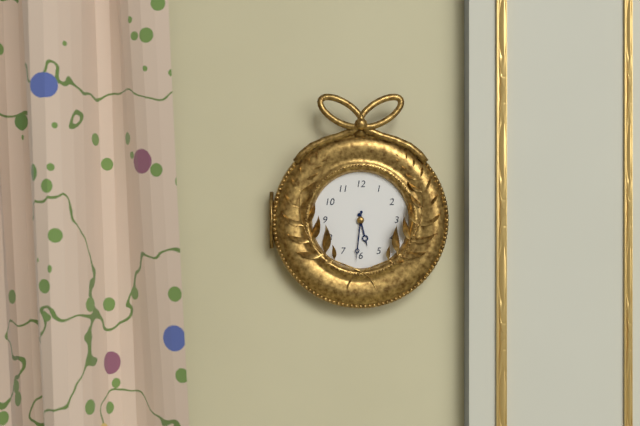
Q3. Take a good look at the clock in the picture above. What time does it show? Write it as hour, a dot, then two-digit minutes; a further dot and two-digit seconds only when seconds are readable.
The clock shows 5.31
